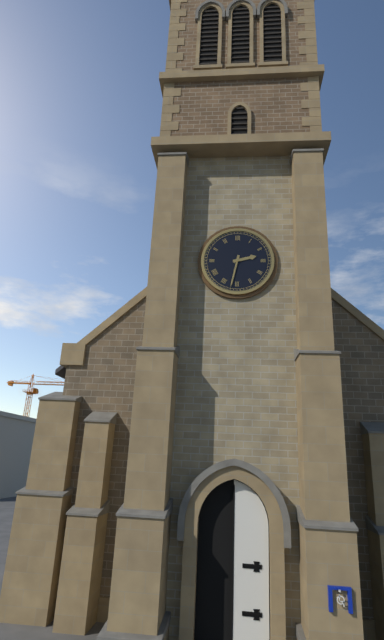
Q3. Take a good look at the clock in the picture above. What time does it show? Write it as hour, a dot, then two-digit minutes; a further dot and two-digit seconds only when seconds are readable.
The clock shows 2.32
